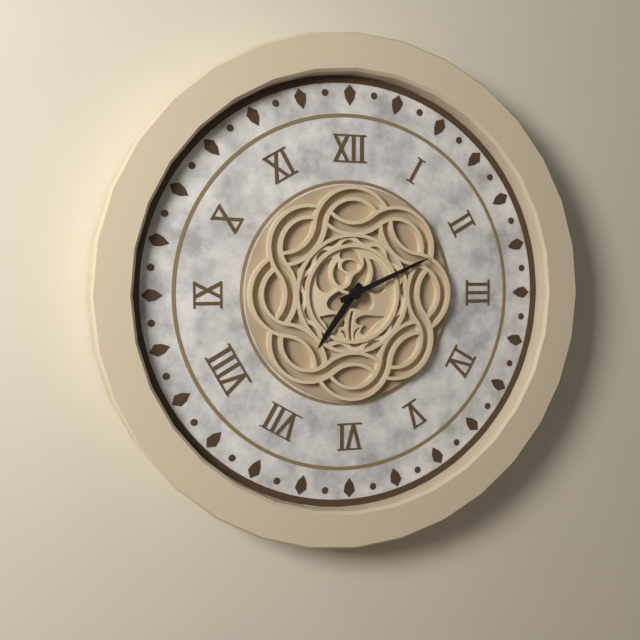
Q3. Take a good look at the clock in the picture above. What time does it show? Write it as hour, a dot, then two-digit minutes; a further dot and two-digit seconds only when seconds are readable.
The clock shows 7.11
